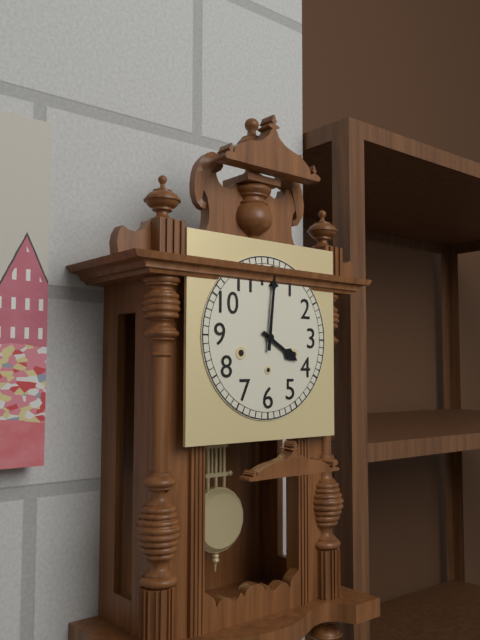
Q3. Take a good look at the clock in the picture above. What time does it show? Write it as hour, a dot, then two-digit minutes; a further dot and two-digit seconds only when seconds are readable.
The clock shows 4.01
